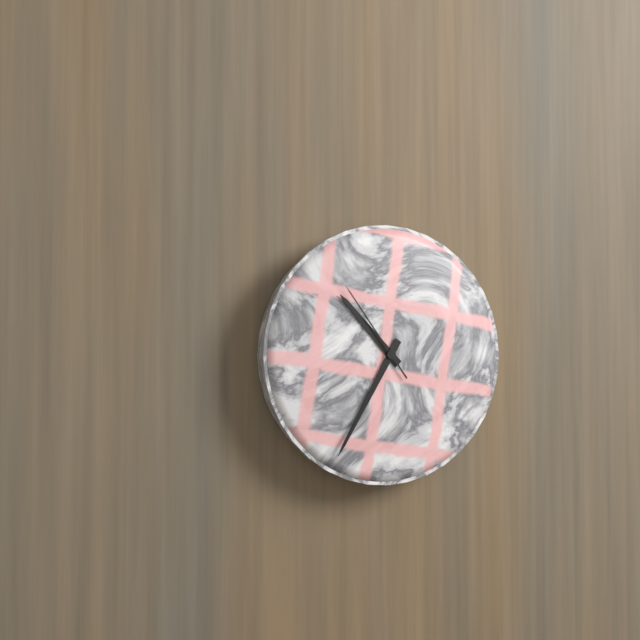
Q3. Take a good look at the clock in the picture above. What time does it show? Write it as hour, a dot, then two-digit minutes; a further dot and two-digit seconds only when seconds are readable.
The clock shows 10.35.54
